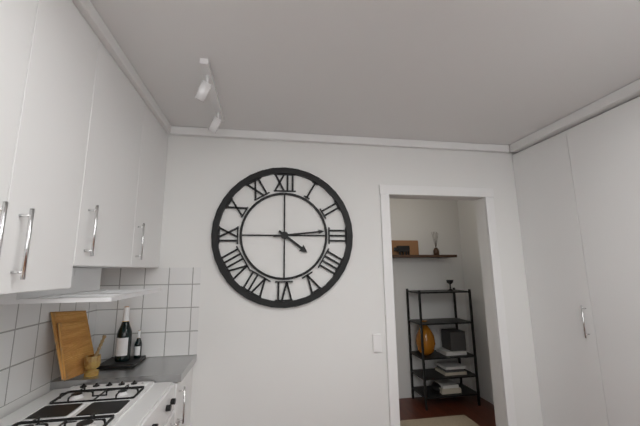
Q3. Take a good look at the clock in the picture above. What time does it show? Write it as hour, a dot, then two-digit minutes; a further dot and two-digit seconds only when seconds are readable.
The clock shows 4.14
